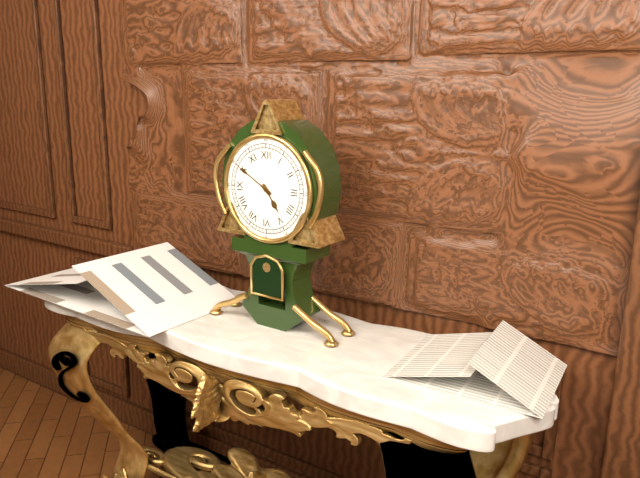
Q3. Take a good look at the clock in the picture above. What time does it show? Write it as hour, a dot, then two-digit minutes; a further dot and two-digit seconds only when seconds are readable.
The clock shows 4.50
